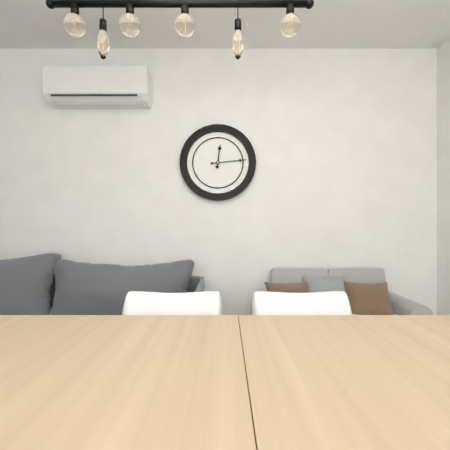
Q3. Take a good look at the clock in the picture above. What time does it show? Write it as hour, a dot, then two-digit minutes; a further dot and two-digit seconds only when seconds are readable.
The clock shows 12.14
